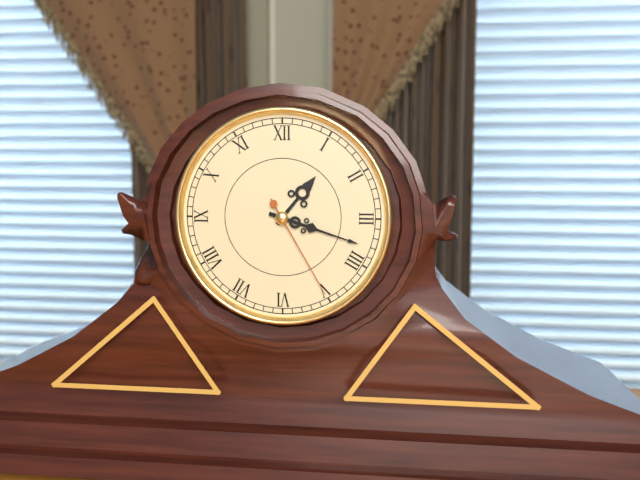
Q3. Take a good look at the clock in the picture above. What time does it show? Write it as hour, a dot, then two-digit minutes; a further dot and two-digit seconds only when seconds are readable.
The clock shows 1.18.25
